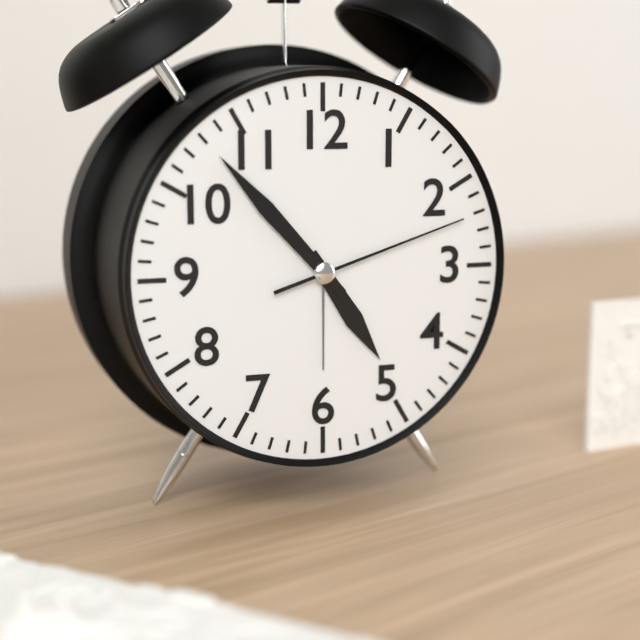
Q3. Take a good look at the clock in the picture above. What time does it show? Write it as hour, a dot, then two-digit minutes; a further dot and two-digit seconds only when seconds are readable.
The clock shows 4.53.12
